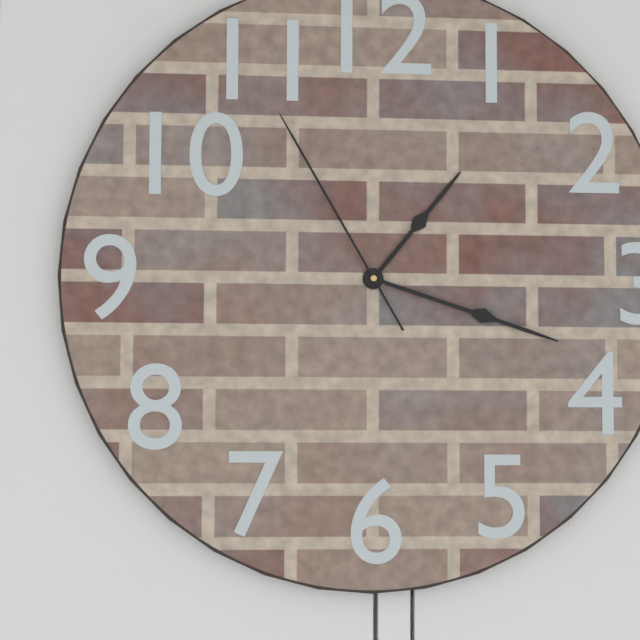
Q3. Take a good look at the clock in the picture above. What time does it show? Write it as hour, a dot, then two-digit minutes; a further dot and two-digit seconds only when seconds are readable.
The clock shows 1.18.55
